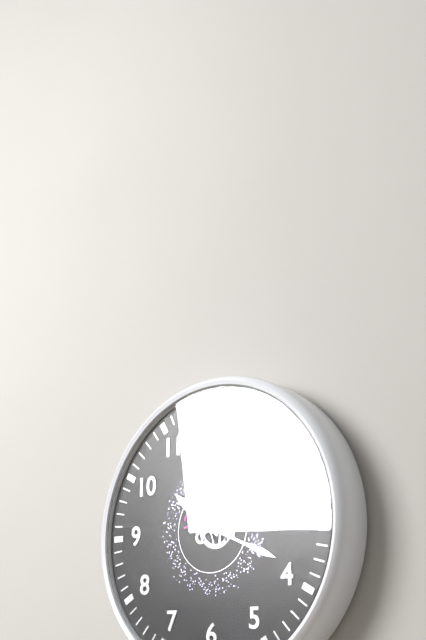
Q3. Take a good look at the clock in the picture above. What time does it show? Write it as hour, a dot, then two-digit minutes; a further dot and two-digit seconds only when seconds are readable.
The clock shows 10.19.57
